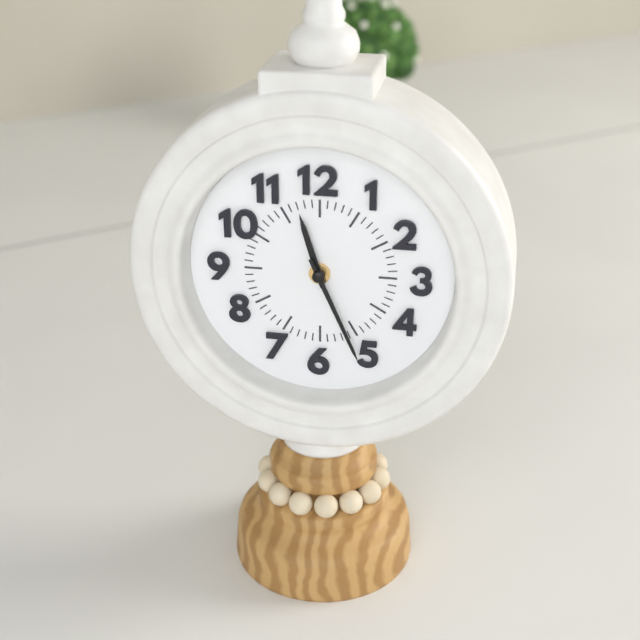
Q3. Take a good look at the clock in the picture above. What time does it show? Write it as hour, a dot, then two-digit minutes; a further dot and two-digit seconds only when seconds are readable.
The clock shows 11.26
